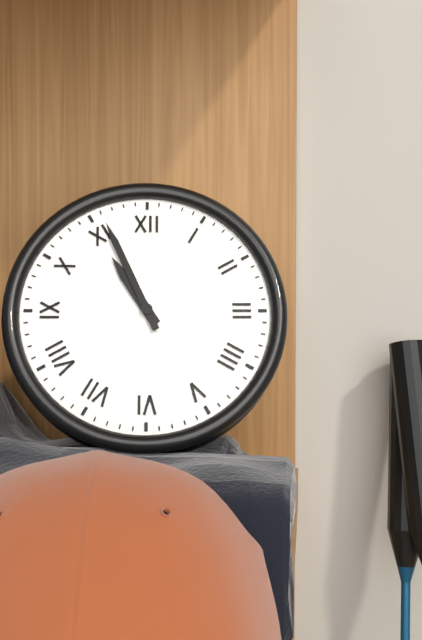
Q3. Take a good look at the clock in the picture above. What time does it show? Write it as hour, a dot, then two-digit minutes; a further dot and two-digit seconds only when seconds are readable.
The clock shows 10.56
